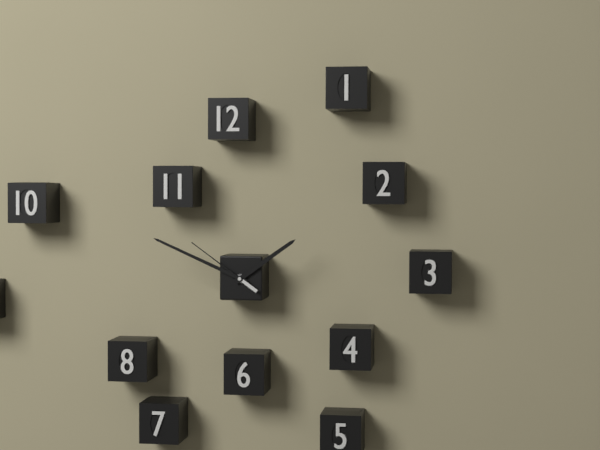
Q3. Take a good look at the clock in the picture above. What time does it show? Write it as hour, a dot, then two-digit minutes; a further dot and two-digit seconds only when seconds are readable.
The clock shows 1.49.51
